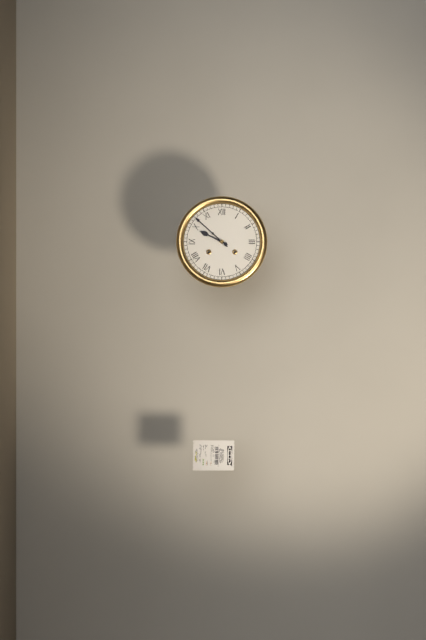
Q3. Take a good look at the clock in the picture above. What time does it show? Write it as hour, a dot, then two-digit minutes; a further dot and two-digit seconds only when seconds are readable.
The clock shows 9.52
